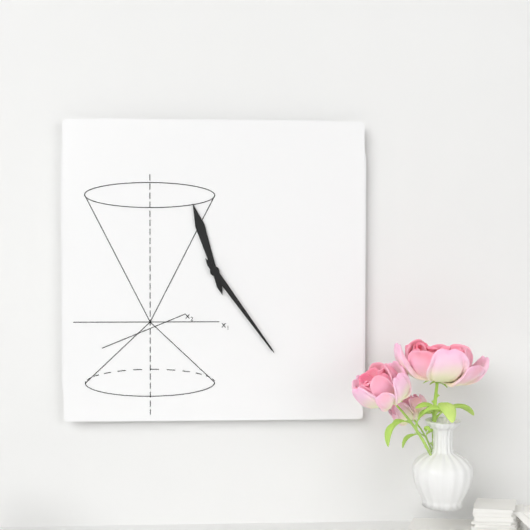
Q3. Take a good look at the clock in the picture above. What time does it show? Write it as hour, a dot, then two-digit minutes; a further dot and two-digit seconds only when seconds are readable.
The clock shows 11.24
